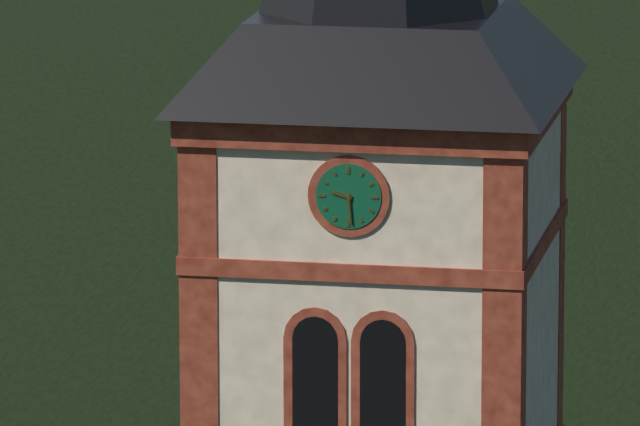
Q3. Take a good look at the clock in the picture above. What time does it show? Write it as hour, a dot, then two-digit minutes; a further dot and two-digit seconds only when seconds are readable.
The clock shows 9.29
